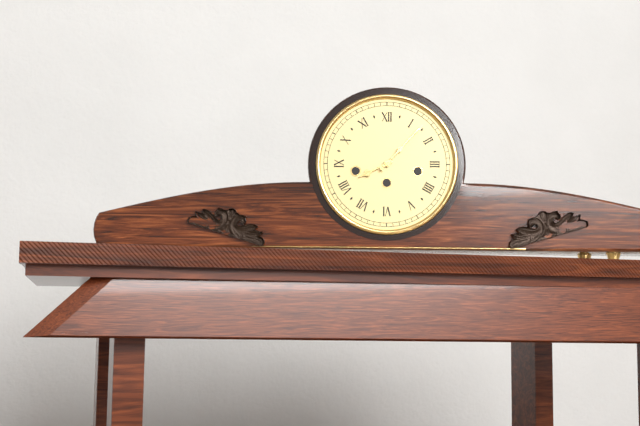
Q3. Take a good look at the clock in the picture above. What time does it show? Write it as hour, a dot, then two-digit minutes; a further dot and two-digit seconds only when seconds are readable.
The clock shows 8.07
